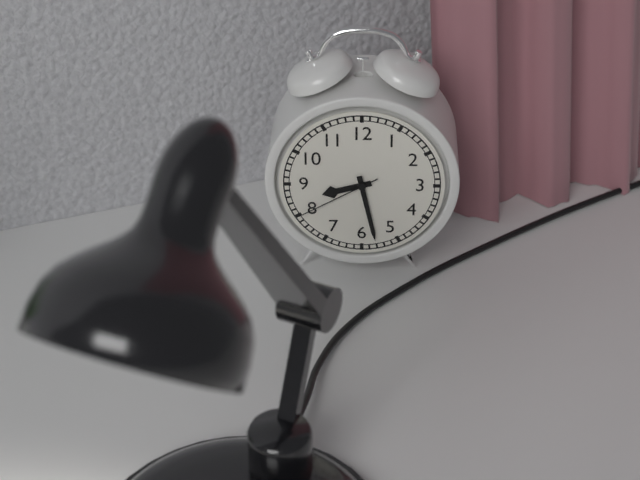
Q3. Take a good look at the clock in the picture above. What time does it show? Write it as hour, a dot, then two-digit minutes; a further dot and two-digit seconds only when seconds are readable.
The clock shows 8.28.40
